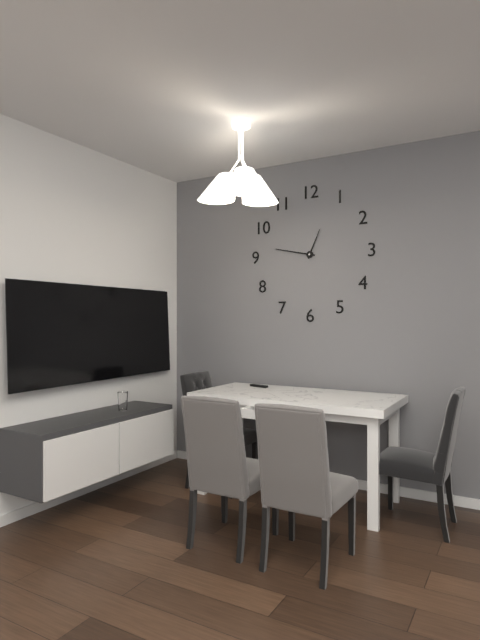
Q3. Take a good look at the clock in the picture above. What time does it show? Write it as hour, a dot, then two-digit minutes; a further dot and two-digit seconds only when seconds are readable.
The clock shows 12.47
